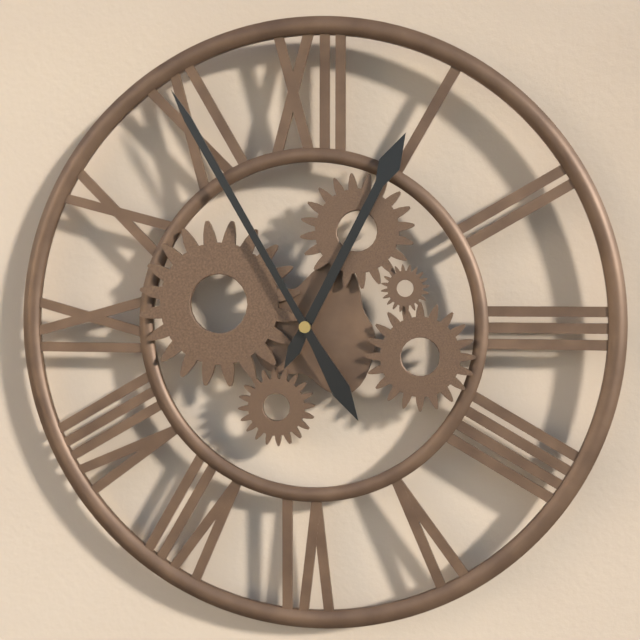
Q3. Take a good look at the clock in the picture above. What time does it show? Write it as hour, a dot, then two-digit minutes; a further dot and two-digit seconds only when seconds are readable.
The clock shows 12.55
